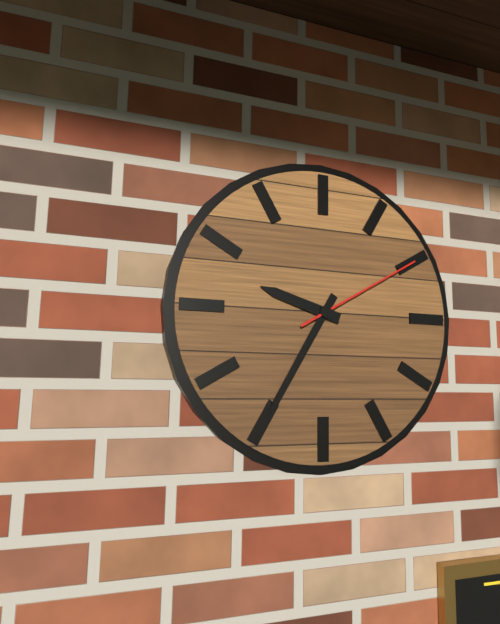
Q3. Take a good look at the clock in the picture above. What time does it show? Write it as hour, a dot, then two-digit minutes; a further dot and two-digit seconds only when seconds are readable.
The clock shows 9.35.10
